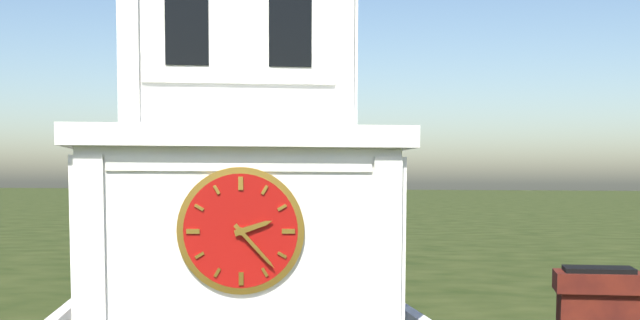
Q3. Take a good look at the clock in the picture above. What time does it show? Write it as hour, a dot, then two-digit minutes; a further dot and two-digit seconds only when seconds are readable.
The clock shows 2.23
